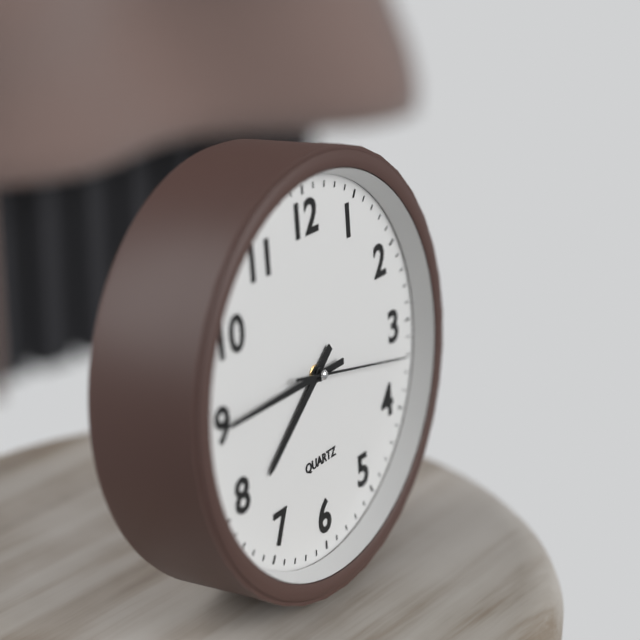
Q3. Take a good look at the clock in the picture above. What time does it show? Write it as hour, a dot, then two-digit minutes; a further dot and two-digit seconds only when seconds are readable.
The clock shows 7.45.17
